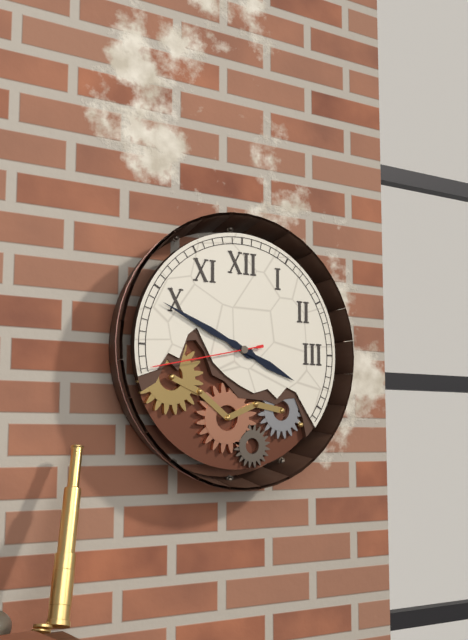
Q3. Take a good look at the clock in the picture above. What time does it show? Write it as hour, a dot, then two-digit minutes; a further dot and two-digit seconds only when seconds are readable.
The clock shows 3.49.43
